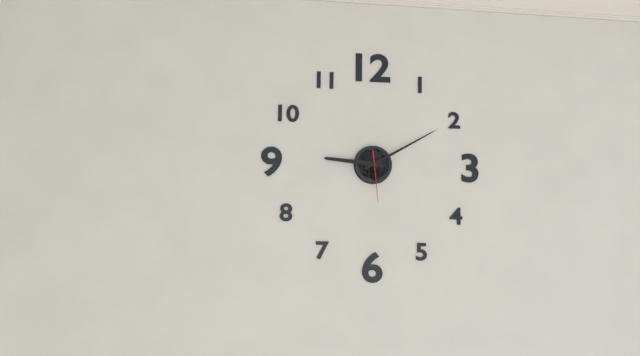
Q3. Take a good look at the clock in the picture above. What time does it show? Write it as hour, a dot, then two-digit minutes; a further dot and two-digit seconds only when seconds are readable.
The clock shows 9.10
